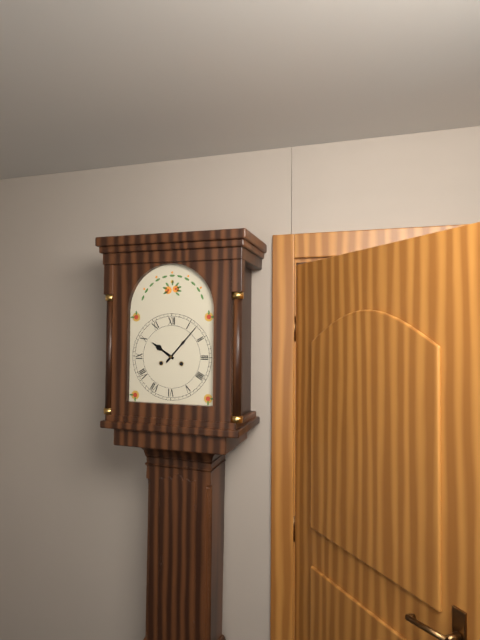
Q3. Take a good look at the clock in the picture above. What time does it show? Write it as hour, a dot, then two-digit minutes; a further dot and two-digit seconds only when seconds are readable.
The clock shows 10.07
